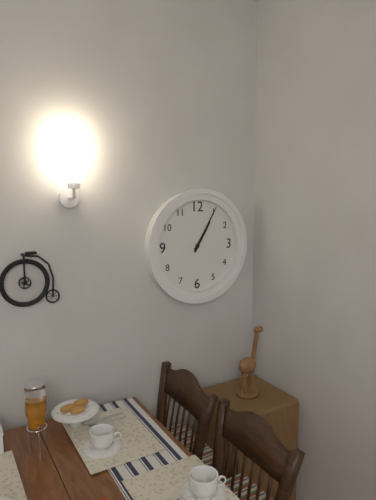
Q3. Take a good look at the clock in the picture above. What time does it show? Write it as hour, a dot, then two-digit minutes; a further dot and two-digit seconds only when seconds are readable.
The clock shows 1.05
